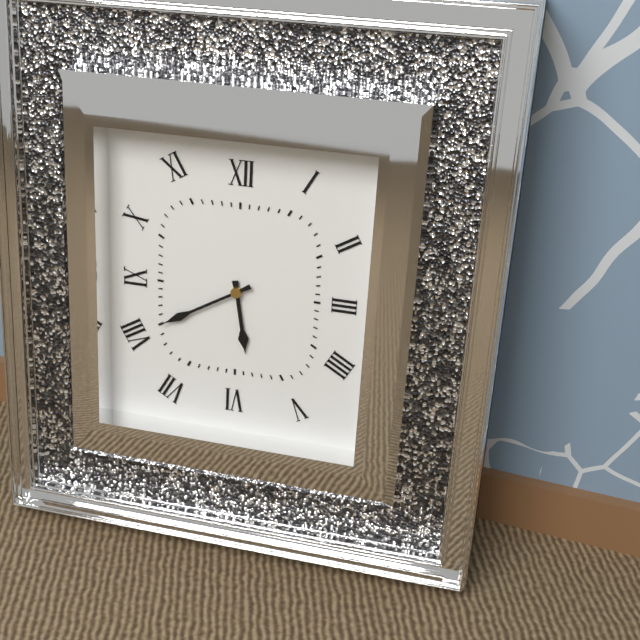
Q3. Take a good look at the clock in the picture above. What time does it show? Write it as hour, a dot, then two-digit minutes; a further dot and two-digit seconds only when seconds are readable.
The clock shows 5.40
